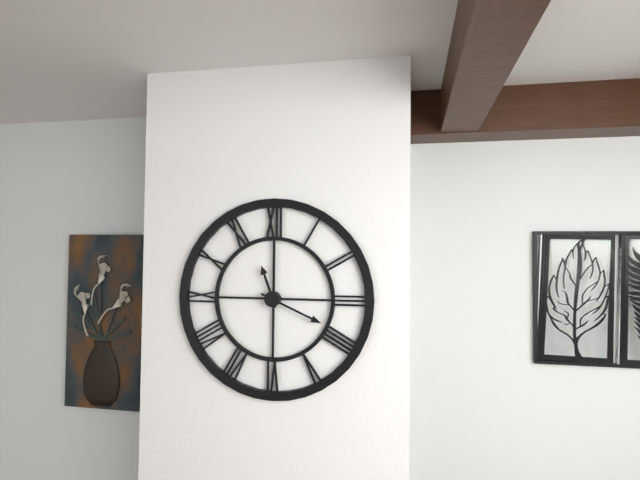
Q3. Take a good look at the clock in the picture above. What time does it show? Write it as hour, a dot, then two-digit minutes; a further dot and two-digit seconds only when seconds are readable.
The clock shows 11.19
